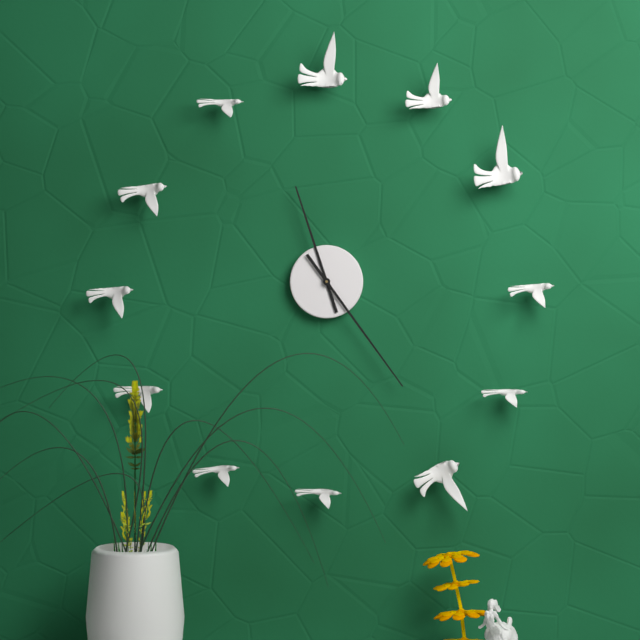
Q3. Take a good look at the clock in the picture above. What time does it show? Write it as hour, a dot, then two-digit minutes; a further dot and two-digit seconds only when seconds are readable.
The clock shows 11.24
